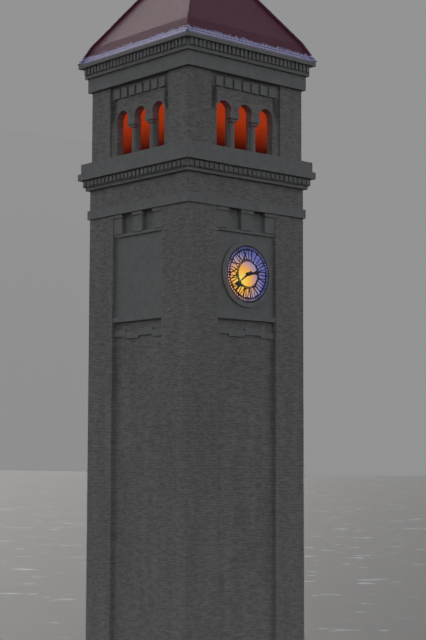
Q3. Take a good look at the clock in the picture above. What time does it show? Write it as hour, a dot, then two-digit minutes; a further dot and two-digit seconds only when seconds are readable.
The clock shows 2.39
